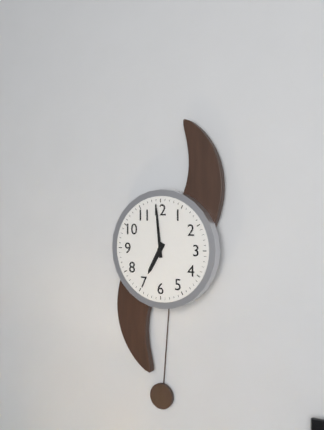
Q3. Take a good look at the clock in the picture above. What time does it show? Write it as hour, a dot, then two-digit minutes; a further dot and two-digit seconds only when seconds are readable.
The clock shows 6.59
